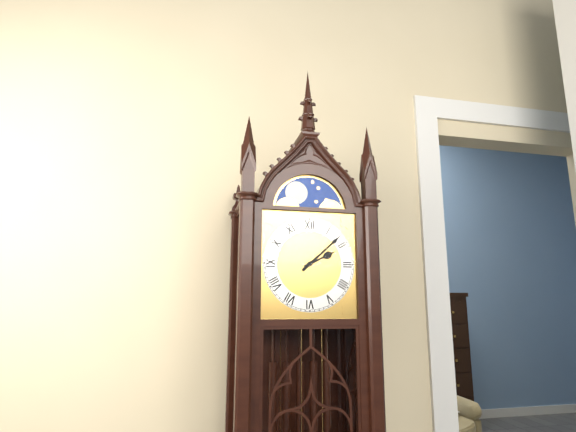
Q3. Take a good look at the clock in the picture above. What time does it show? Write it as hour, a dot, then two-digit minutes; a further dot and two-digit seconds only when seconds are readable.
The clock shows 2.08
